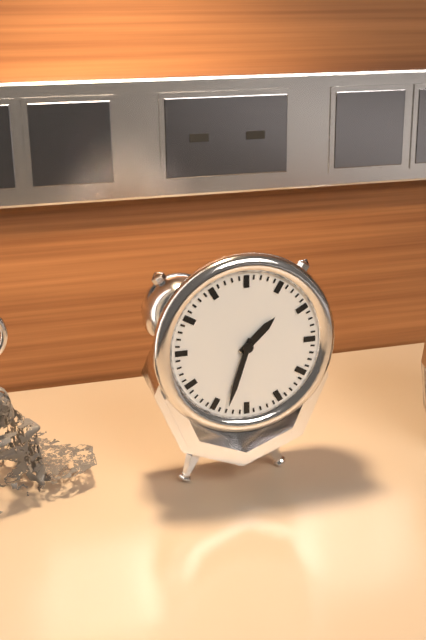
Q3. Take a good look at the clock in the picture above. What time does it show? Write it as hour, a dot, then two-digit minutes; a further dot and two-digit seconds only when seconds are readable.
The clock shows 1.33
